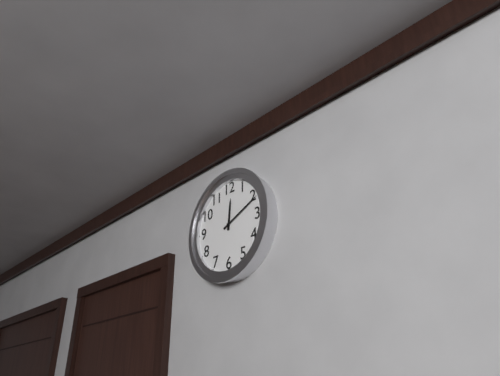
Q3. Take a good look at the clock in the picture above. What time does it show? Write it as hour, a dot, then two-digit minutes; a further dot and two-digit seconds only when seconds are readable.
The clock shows 12.11
